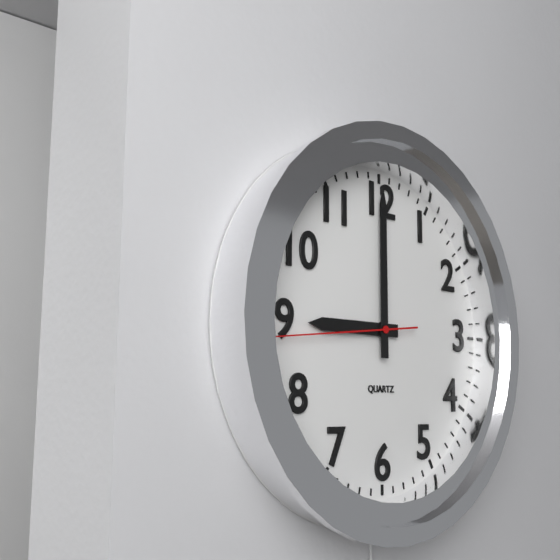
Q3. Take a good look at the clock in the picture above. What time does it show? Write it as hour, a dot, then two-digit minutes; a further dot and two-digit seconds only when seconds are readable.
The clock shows 9.00.44
